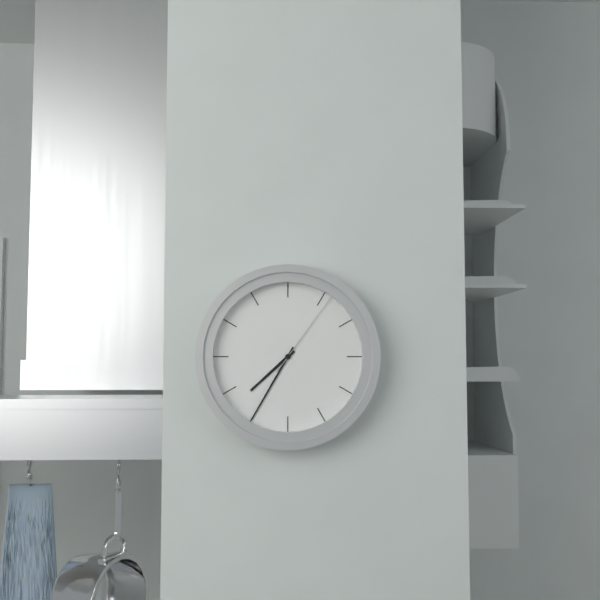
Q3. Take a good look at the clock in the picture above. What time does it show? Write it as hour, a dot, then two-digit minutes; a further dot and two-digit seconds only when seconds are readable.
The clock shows 7.35.06
